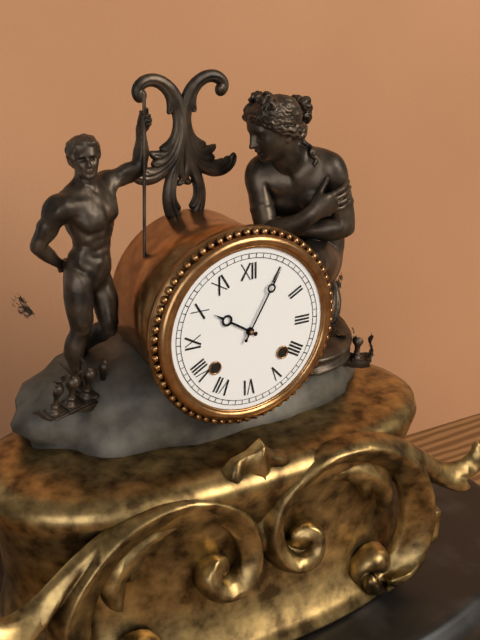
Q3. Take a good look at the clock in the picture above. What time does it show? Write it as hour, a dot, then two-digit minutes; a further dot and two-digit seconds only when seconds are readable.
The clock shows 10.05
